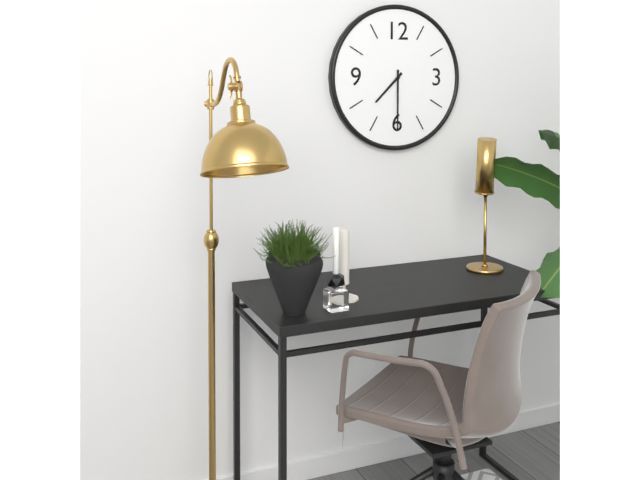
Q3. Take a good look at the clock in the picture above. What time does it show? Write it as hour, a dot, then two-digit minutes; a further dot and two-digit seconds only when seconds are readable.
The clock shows 7.30
